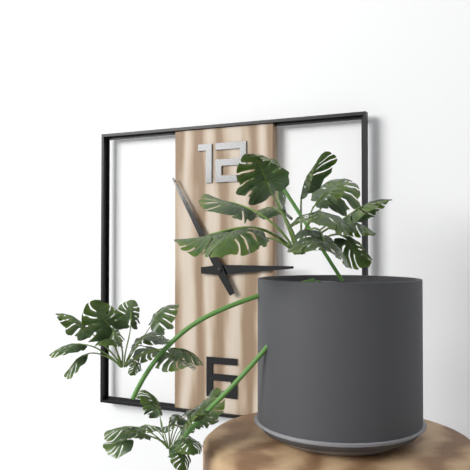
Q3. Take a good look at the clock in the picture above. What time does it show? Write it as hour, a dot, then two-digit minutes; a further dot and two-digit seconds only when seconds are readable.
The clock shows 2.55
